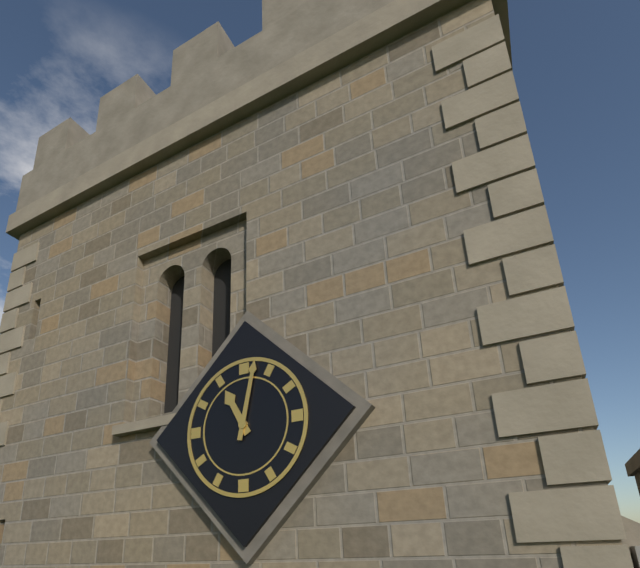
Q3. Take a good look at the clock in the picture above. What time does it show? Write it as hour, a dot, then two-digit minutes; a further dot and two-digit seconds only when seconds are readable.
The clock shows 11.02
